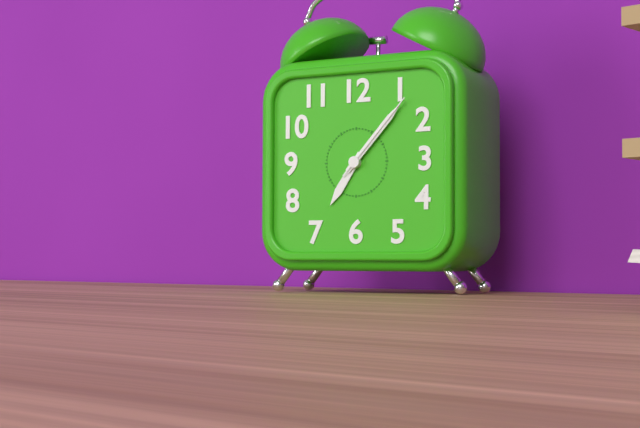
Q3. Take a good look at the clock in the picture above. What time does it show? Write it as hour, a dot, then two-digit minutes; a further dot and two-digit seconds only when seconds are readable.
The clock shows 7.07.07
